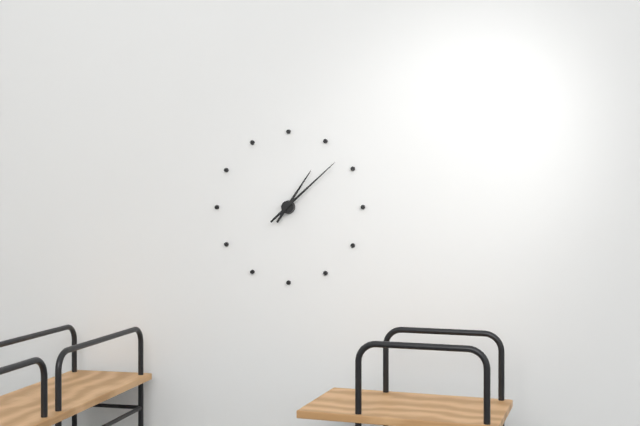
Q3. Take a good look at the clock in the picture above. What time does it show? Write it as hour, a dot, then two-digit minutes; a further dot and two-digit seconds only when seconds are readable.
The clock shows 1.08
